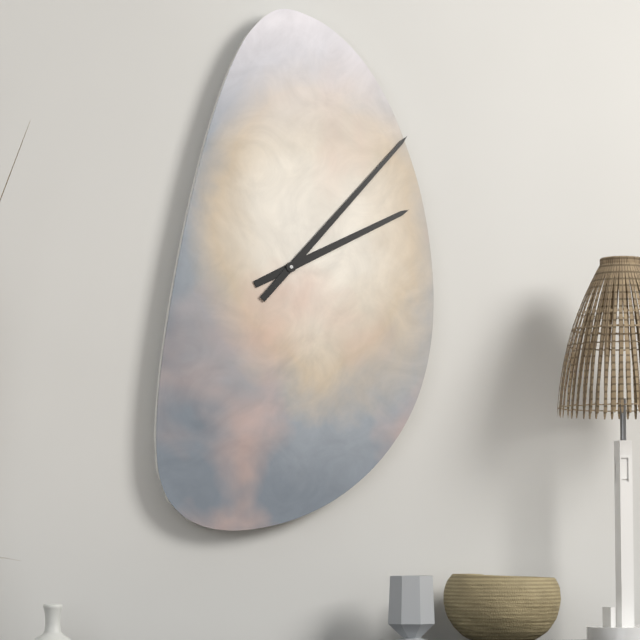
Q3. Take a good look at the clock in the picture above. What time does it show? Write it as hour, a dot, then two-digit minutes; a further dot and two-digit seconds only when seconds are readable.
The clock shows 2.07
